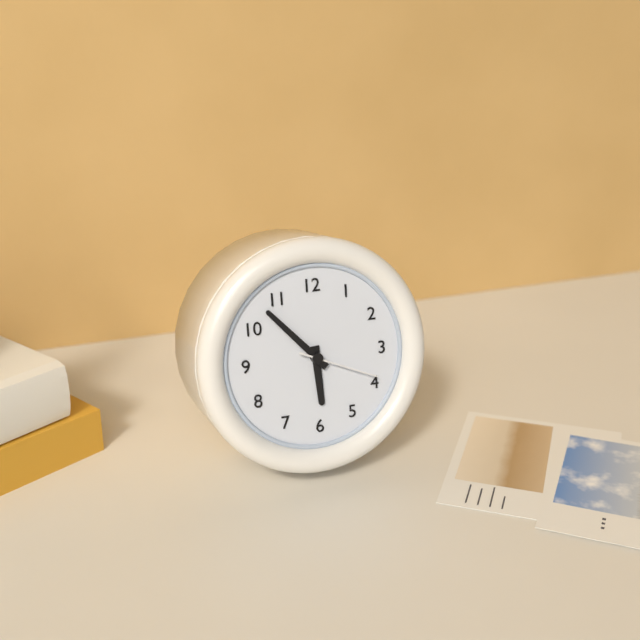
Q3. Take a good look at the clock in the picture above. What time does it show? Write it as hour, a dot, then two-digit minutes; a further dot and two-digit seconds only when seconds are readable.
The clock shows 5.53.19
